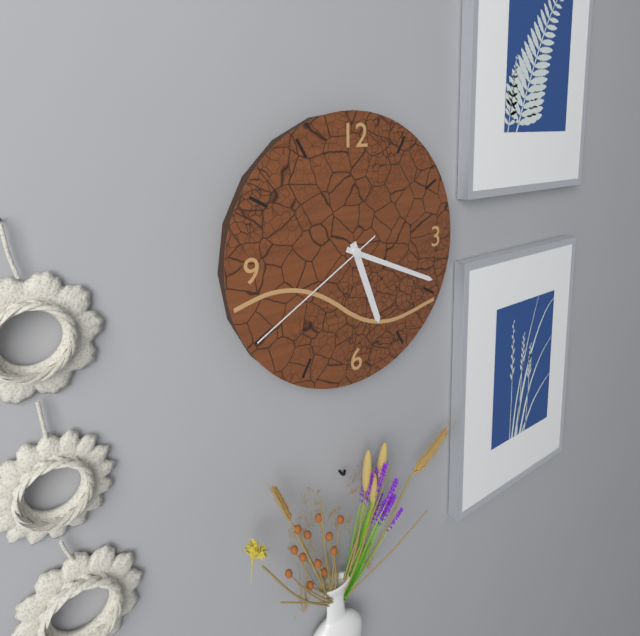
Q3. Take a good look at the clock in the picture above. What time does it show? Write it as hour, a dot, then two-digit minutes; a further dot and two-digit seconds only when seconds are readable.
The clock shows 5.19.40
